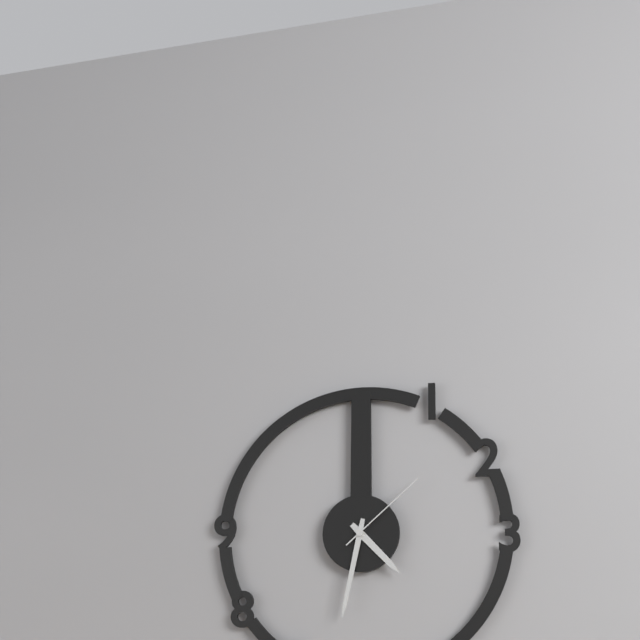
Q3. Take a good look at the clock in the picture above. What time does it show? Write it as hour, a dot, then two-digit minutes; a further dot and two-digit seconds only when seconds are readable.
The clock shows 4.32.08
